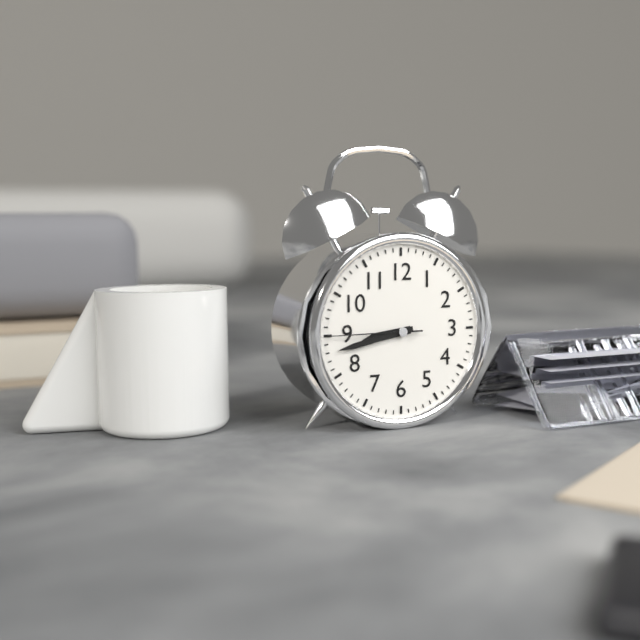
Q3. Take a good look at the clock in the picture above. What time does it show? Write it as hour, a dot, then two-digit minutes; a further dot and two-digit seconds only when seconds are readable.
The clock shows 8.43.45
